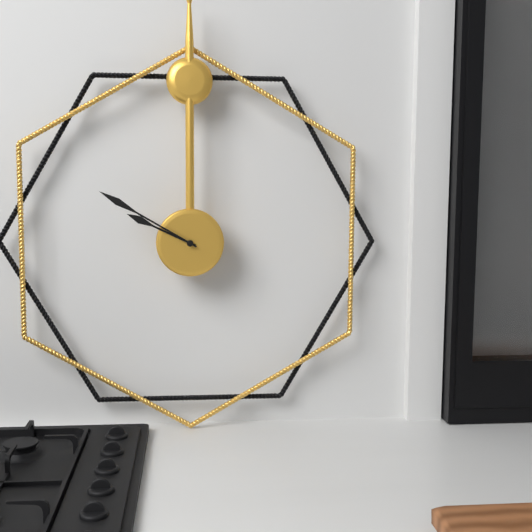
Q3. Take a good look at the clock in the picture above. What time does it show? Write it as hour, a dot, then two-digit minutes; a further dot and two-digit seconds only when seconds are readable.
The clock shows 9.50
